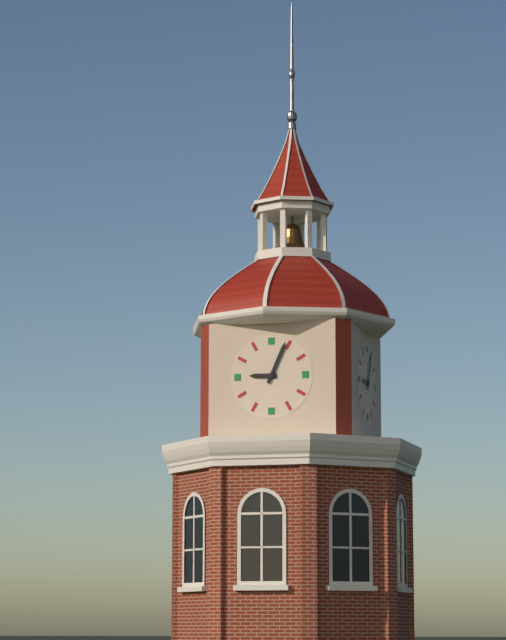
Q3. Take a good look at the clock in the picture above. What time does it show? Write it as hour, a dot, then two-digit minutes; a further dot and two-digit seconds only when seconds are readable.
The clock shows 9.04
